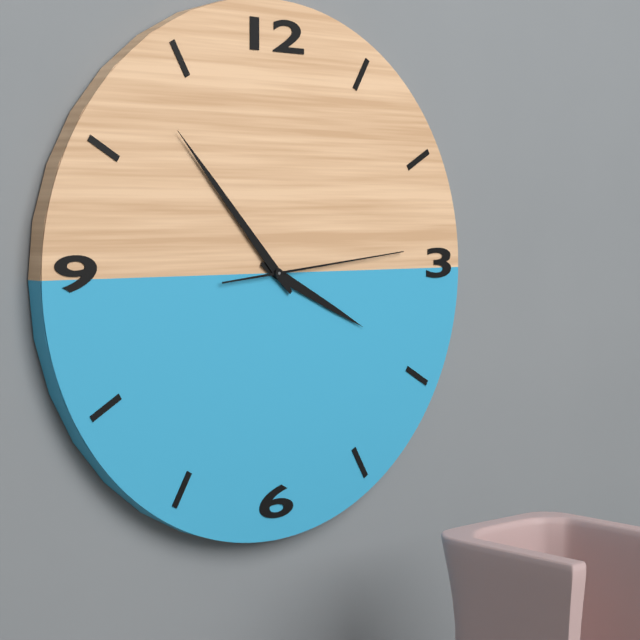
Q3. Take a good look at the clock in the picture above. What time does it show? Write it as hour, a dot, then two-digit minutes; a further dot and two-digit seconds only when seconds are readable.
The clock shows 3.53.14
